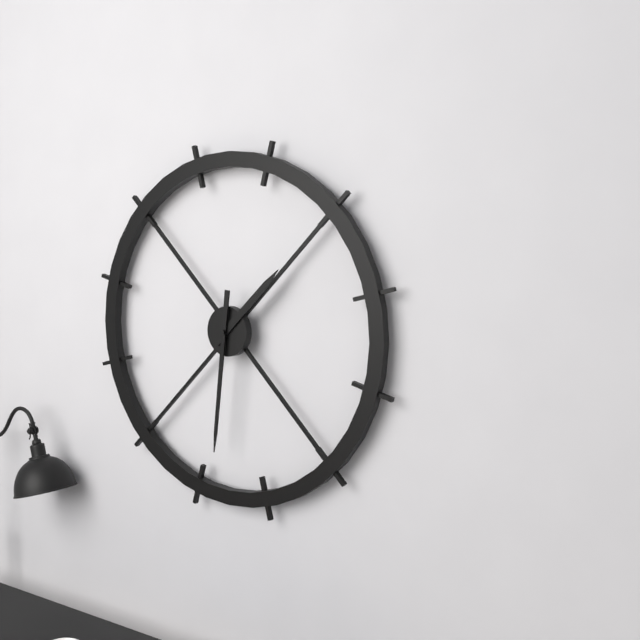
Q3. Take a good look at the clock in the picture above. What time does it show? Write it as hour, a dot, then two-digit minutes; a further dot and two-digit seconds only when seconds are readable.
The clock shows 1.31
